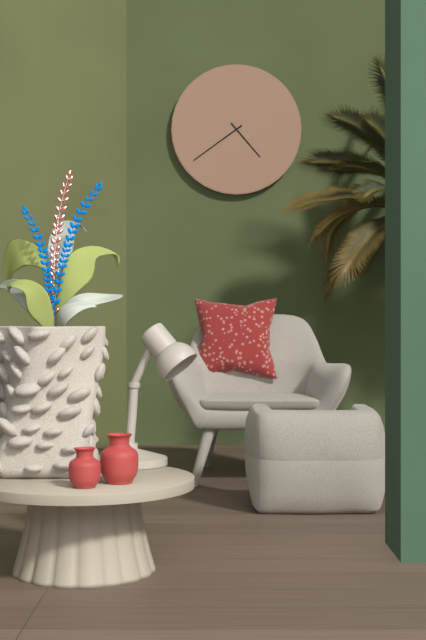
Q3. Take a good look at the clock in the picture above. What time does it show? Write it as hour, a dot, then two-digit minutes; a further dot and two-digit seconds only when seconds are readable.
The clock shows 4.39
